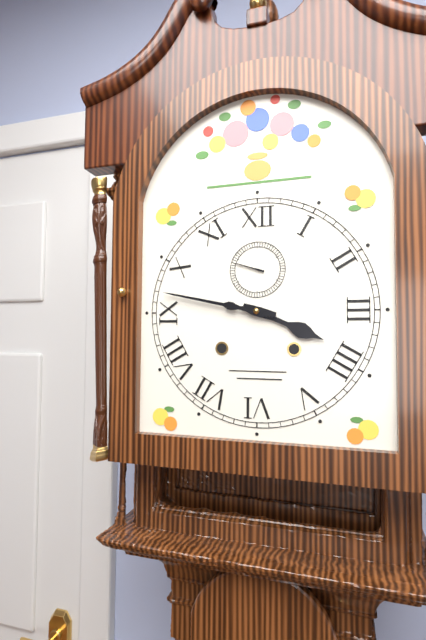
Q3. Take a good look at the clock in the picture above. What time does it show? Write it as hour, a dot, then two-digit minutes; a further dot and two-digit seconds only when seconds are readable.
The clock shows 3.47
